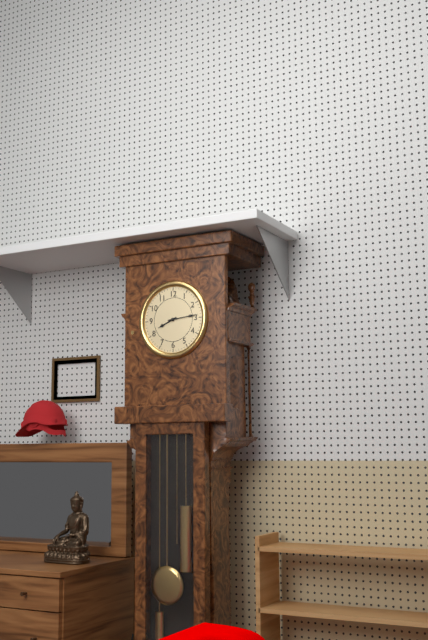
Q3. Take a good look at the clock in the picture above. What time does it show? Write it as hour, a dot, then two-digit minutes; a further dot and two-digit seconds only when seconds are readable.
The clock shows 8.14
